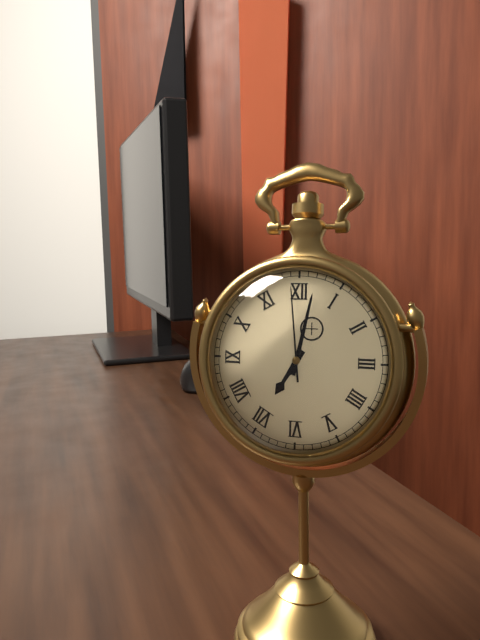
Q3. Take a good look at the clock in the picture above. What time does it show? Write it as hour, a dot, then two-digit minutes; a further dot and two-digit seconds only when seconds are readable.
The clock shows 7.02.59
